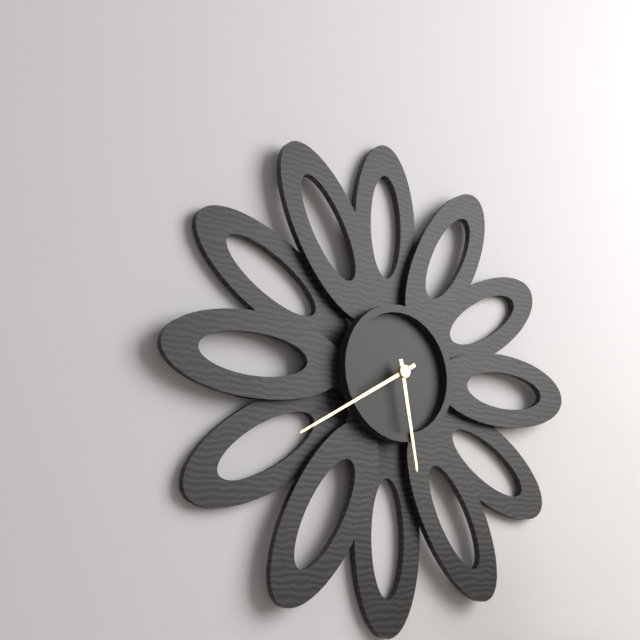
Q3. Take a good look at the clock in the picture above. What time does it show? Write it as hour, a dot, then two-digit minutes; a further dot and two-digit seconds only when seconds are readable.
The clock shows 5.40
